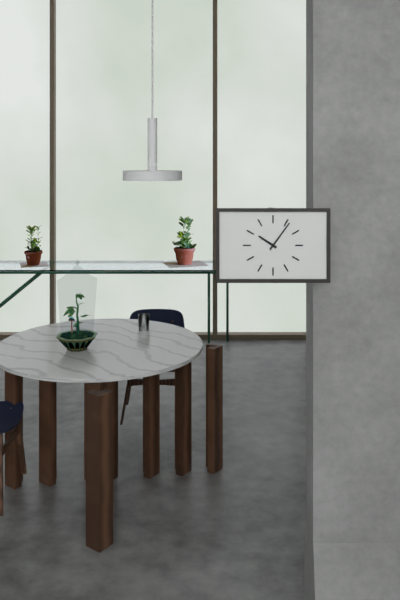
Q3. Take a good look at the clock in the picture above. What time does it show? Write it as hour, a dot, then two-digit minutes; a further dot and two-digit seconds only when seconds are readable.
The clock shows 10.06
